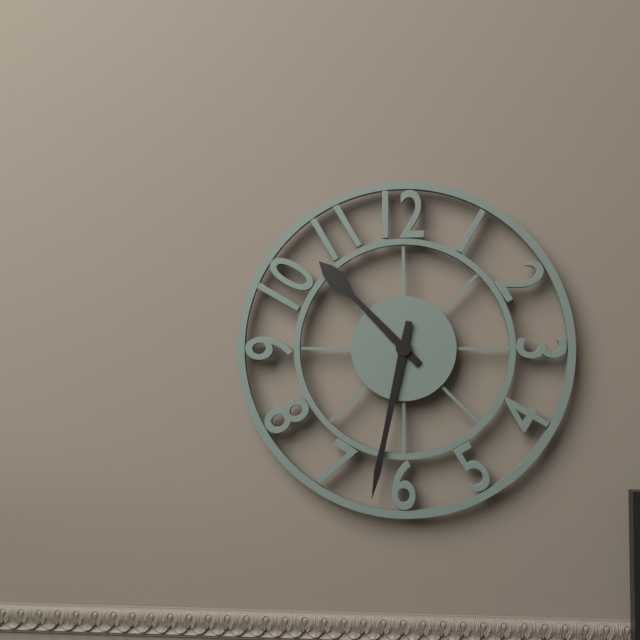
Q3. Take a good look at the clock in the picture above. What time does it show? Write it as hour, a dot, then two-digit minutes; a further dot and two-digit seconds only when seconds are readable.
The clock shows 10.32
